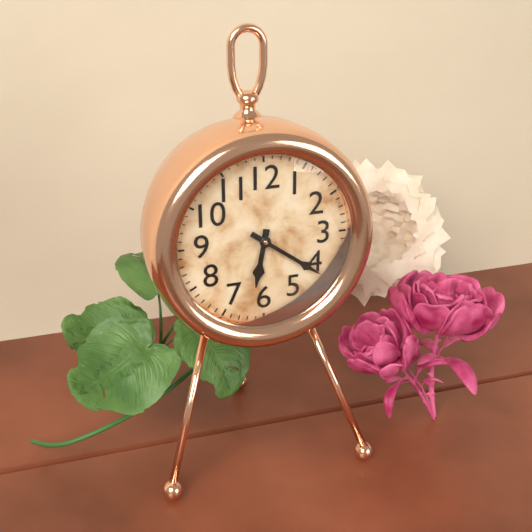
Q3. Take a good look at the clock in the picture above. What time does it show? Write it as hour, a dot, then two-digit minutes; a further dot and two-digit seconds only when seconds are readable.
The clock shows 6.21
